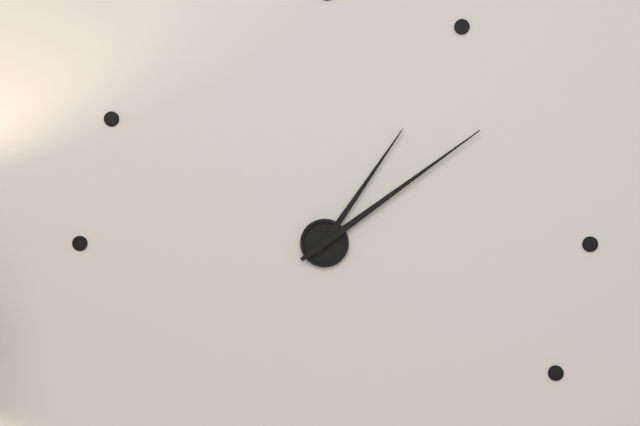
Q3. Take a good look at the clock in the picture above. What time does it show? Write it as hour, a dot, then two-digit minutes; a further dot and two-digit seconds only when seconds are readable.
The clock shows 1.09
